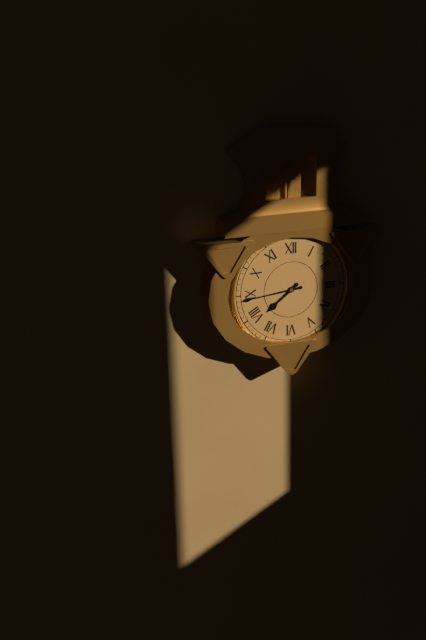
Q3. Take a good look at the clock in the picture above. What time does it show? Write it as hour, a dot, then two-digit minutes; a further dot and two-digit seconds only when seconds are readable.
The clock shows 7.44
